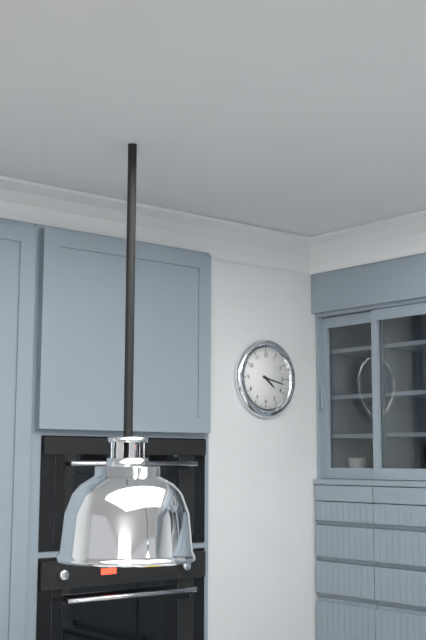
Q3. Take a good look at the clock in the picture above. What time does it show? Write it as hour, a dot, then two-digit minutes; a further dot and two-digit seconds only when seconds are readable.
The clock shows 4.17
